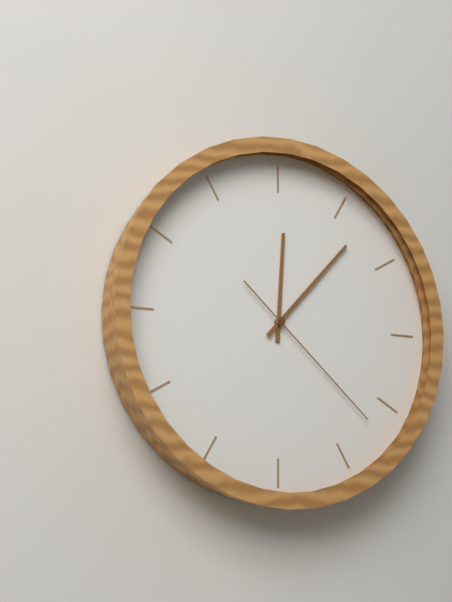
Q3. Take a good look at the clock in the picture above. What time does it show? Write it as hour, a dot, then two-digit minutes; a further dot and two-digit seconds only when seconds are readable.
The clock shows 12.07.22
